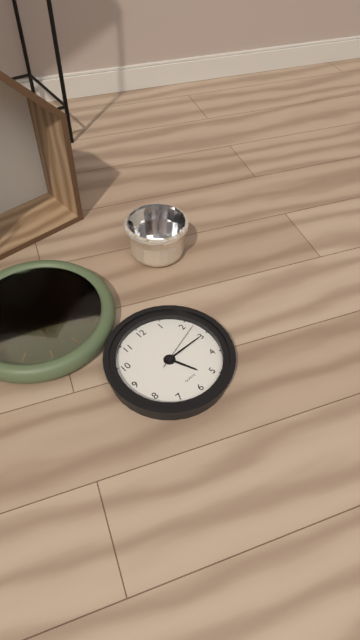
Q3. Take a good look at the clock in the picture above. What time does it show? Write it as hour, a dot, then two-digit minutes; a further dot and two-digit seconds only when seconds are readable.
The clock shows 5.15.12
